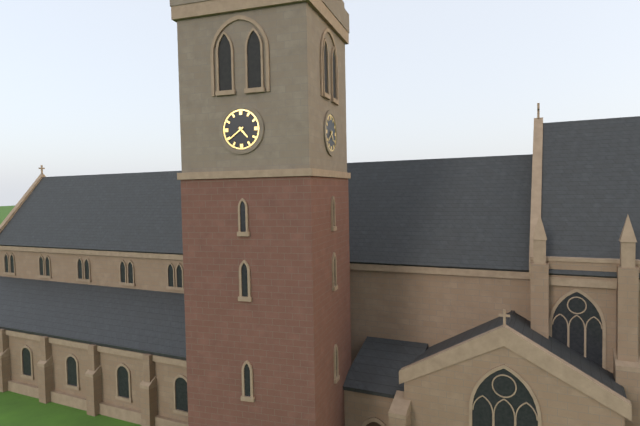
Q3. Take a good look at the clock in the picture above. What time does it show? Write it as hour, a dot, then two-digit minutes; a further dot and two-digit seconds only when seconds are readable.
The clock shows 4.39
